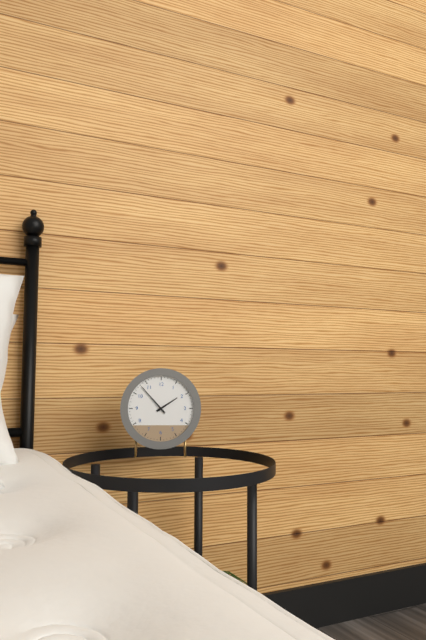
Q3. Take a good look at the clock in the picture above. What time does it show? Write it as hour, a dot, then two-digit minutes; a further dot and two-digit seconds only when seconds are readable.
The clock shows 1.53
